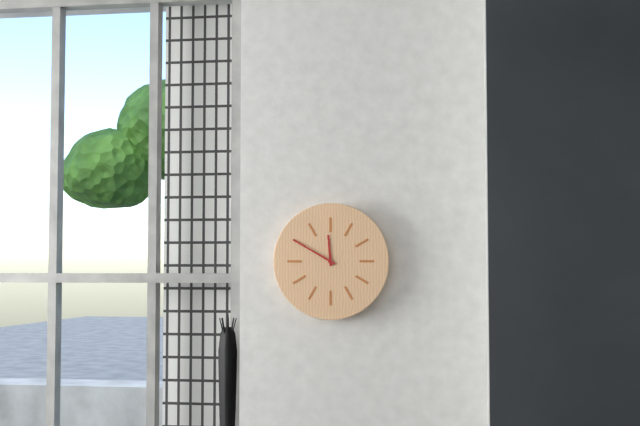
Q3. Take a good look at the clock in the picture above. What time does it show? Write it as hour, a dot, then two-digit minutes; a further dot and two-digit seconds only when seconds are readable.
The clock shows 11.50
